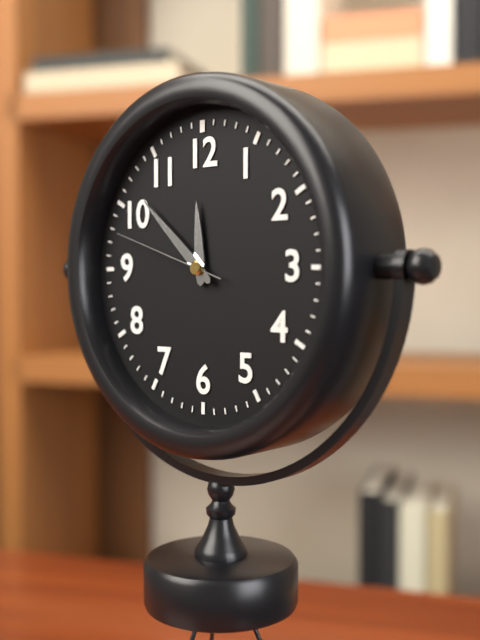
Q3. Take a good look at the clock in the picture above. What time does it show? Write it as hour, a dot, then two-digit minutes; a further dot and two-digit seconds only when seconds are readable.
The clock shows 11.52.48
